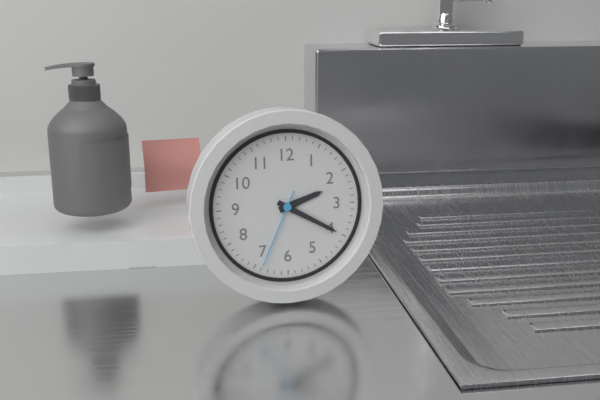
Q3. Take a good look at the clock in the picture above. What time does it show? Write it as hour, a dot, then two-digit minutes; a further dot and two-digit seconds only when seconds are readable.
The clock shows 2.20.34
